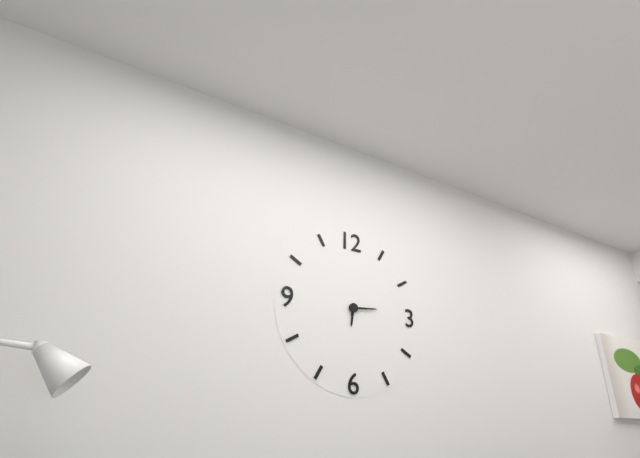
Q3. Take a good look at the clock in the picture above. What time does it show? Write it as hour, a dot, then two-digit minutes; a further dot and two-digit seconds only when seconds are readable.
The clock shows 6.14
